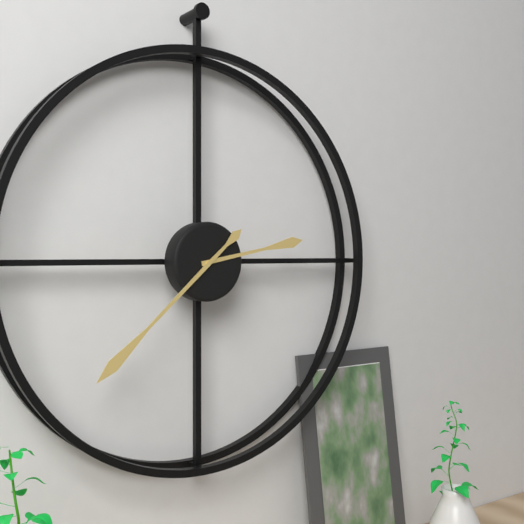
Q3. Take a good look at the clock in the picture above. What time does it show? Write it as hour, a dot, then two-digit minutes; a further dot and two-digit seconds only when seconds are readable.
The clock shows 2.38
